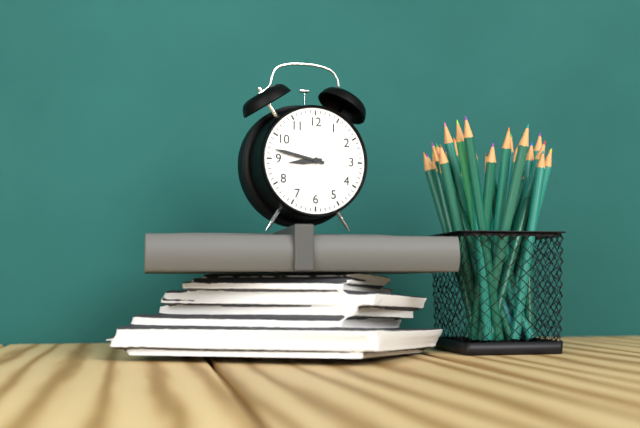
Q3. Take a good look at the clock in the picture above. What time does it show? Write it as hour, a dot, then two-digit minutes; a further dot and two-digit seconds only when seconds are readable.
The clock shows 8.47
